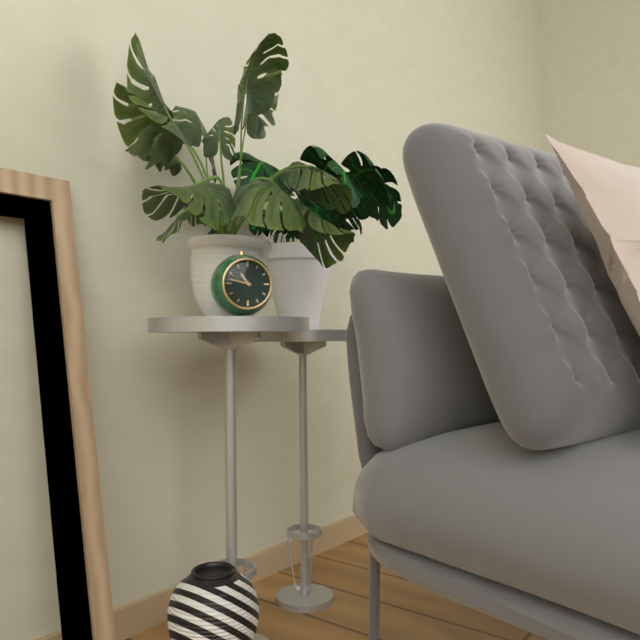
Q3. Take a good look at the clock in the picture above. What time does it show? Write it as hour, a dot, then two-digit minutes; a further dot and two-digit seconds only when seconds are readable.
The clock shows 10.47
